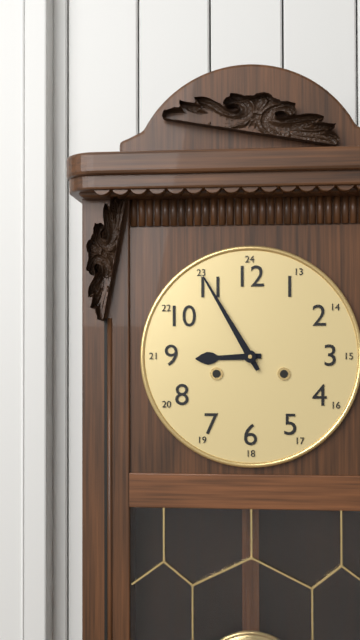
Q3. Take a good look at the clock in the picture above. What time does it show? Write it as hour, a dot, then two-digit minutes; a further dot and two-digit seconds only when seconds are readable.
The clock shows 8.55
